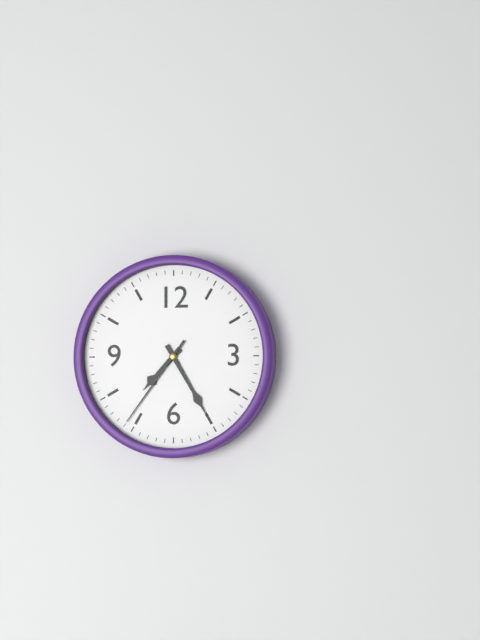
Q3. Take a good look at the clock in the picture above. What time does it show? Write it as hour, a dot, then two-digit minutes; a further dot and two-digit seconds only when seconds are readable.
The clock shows 7.25.36
